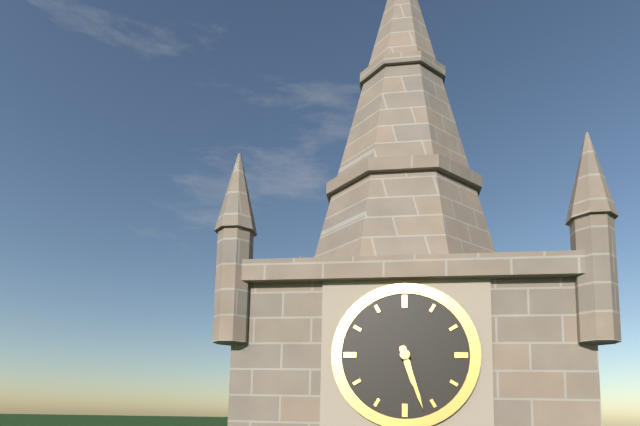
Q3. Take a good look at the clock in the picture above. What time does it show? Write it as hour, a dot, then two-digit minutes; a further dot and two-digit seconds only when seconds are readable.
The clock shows 5.27
